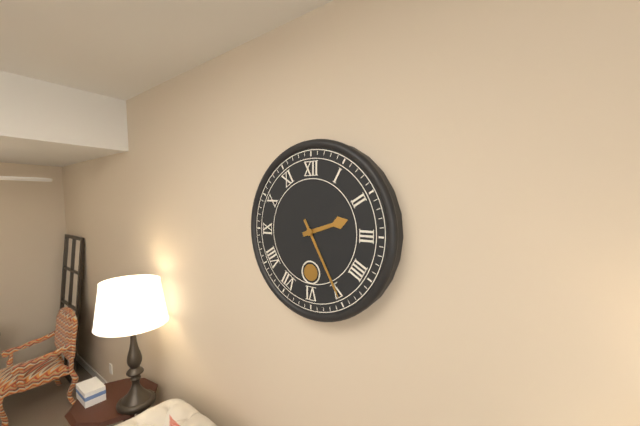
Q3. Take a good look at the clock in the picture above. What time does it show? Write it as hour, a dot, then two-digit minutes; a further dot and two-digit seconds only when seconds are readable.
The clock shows 2.25
